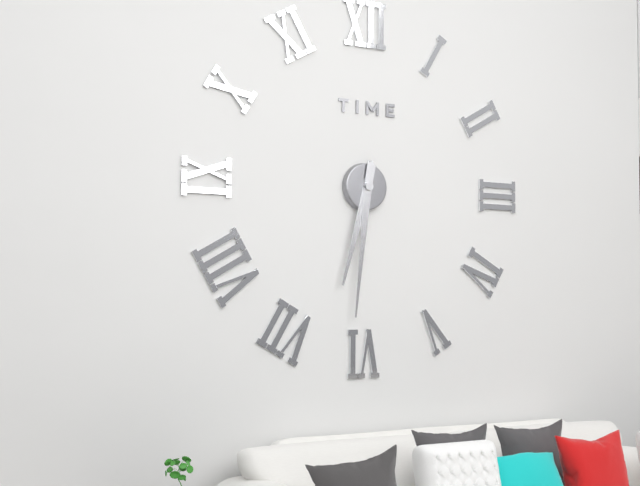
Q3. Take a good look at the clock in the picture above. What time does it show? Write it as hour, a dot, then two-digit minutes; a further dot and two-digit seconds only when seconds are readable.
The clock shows 6.31
